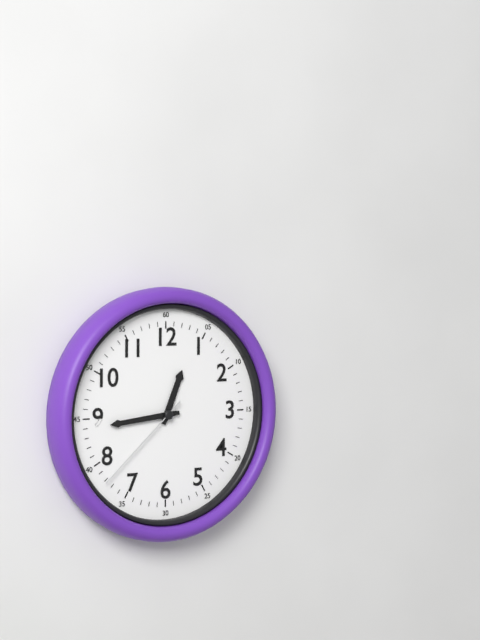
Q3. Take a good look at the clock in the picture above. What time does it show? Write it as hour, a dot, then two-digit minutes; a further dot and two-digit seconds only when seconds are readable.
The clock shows 12.44.38
